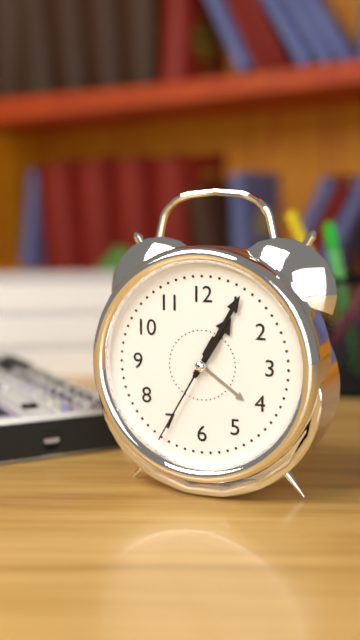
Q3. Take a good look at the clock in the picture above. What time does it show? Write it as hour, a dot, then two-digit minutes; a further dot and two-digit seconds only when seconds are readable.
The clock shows 1.05.35
